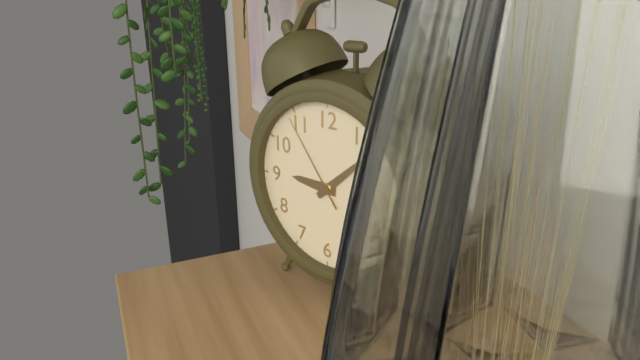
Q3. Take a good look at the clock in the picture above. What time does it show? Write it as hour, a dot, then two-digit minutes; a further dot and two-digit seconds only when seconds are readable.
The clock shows 9.08.54
